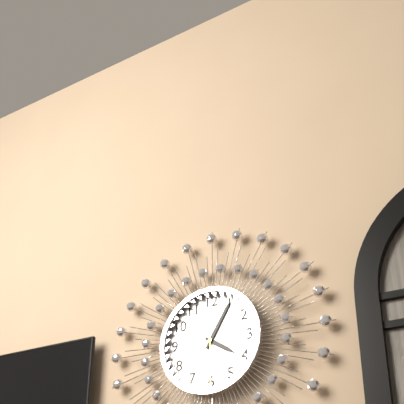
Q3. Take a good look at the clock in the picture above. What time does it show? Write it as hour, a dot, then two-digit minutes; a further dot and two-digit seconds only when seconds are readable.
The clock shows 4.05.30
